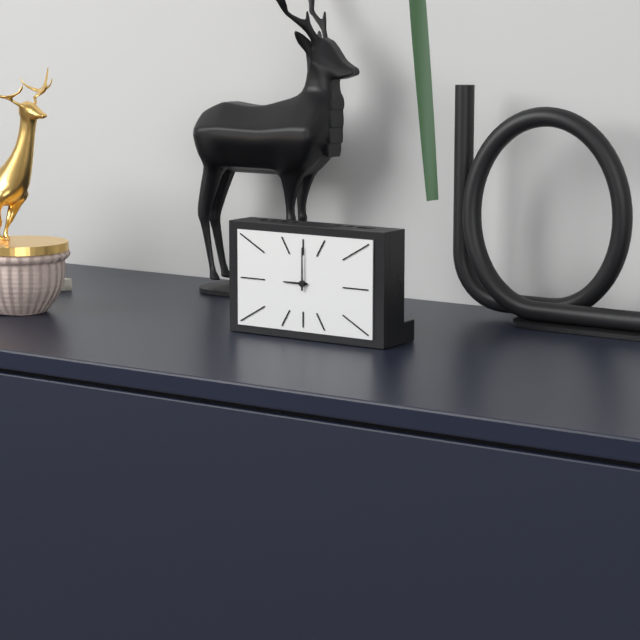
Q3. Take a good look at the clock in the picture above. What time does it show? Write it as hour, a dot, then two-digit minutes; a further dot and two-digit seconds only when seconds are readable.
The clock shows 9.00
